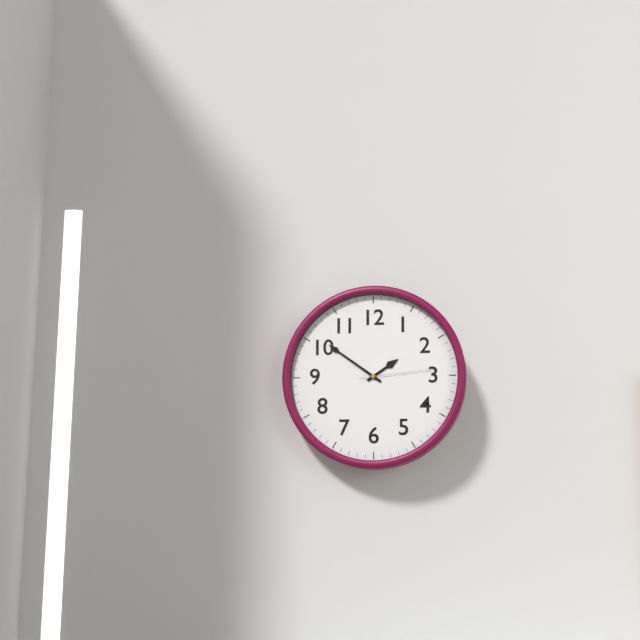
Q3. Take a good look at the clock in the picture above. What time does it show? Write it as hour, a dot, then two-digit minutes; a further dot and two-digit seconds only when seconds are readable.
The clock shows 1.51.14
